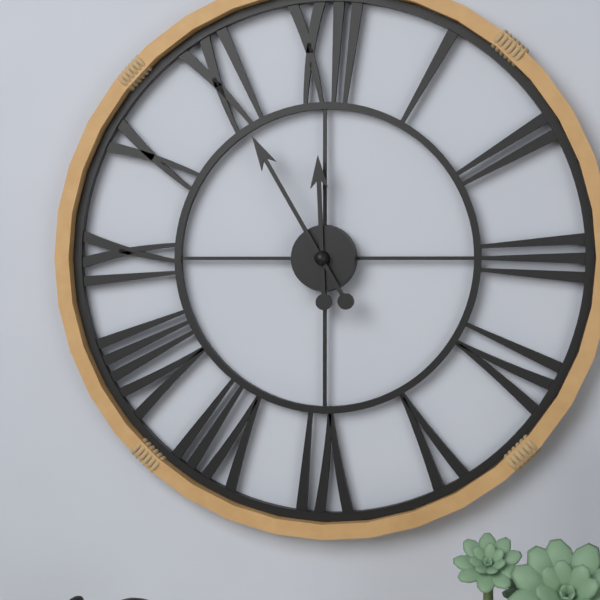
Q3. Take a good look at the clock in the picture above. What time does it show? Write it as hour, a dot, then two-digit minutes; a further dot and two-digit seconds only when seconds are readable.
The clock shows 11.55
